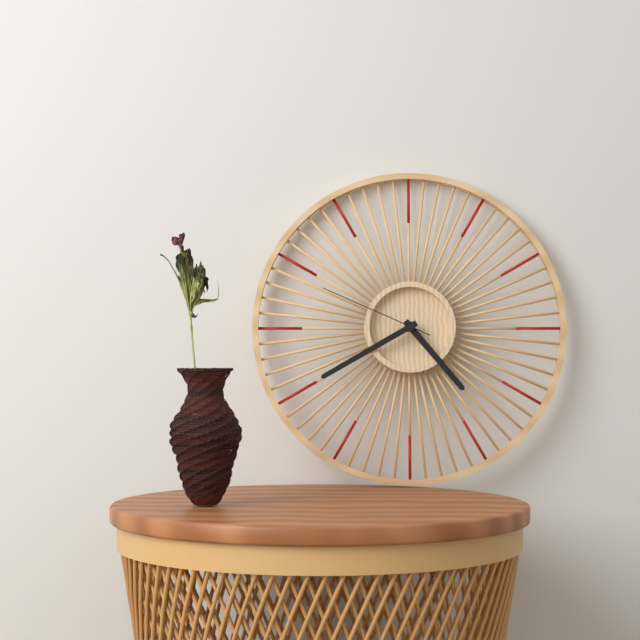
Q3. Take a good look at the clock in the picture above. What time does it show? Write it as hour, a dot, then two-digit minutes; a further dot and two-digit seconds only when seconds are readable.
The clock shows 4.40.49
